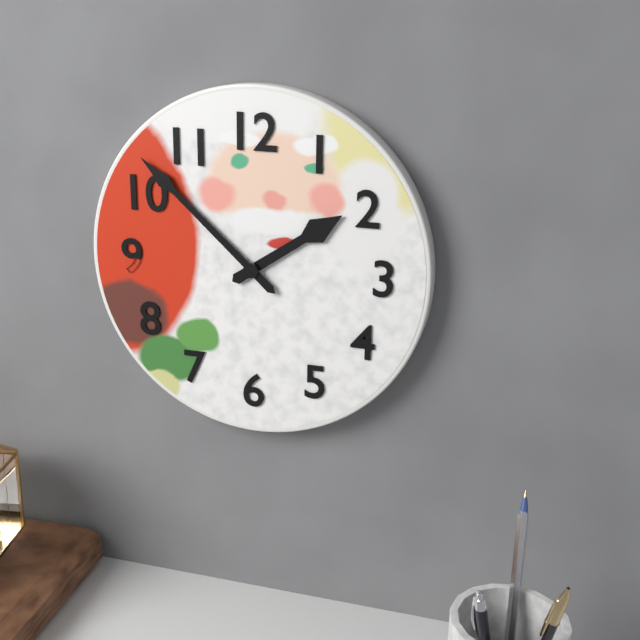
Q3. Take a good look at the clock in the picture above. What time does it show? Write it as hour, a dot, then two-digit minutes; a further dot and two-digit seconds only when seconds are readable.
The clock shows 1.52
